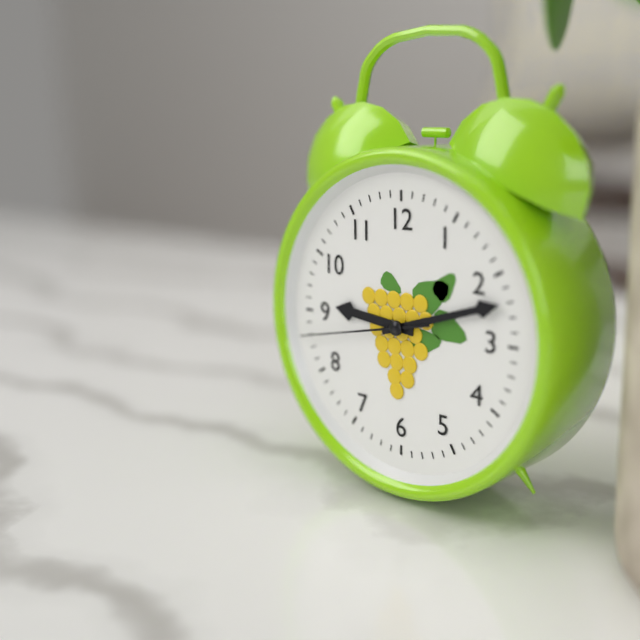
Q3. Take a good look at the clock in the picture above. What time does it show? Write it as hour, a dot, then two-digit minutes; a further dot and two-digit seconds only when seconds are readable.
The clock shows 9.12.43
